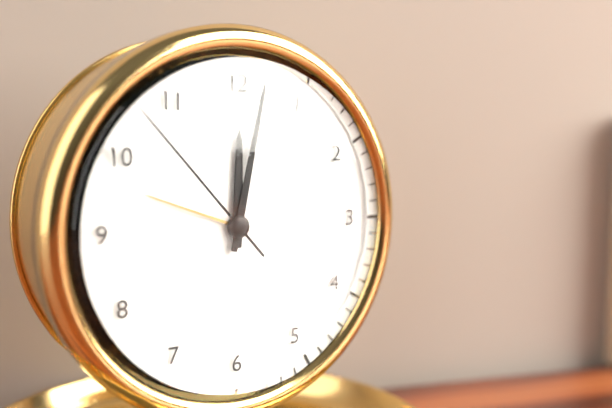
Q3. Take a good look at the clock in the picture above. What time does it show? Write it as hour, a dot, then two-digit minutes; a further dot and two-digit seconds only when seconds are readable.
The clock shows 12.02.53
